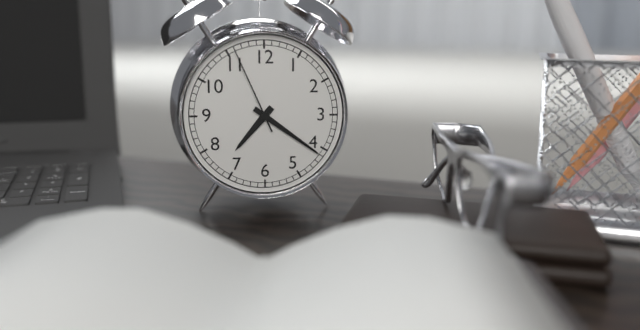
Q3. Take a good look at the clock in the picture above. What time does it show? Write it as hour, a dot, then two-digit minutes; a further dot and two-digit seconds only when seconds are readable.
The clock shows 7.21.56
